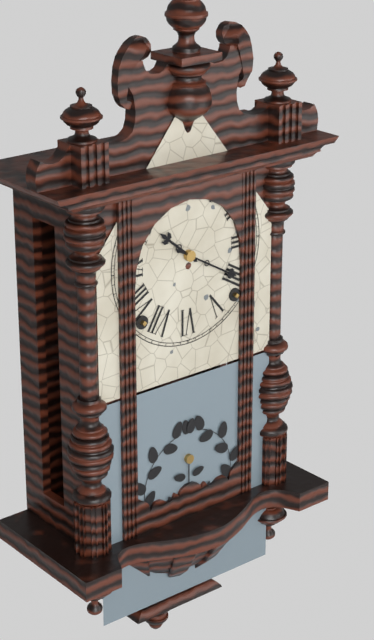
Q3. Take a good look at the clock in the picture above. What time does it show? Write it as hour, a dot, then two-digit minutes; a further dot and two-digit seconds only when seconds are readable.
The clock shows 10.20
